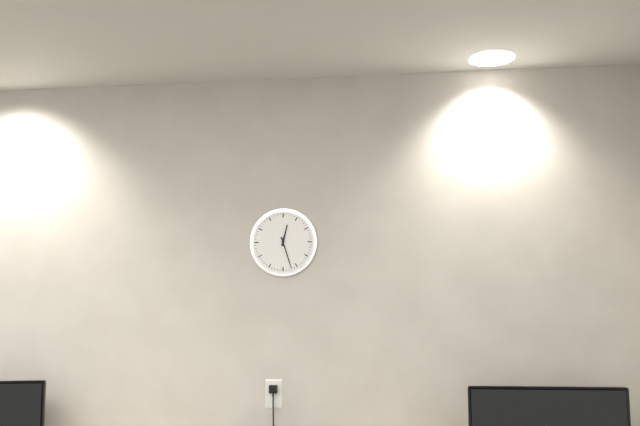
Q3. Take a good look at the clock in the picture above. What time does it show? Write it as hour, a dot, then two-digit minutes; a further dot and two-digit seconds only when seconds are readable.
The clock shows 12.27
